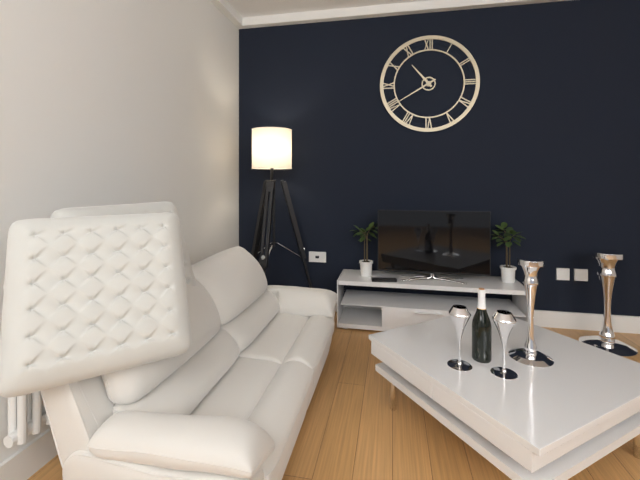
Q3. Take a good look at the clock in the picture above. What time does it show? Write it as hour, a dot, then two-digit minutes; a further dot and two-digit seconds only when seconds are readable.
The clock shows 10.40
